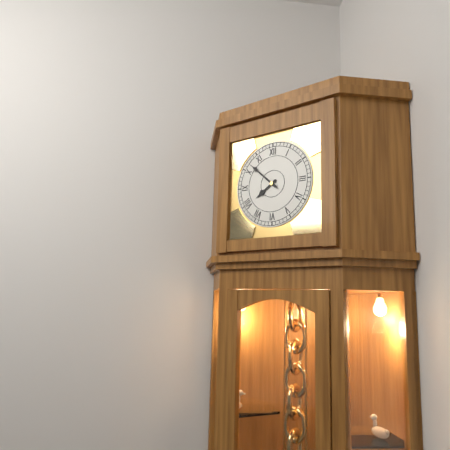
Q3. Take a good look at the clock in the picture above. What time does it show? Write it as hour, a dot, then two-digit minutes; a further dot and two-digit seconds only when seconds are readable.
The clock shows 7.52
